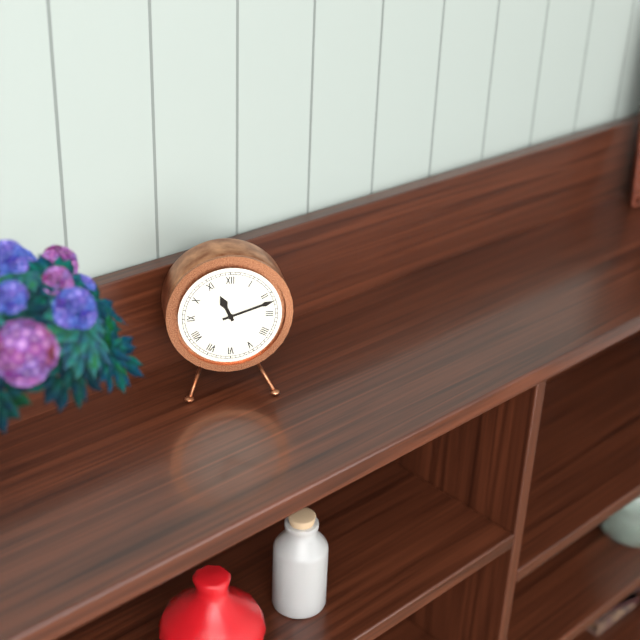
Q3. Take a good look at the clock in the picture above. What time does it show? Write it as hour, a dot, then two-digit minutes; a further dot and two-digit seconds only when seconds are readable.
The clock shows 11.12
